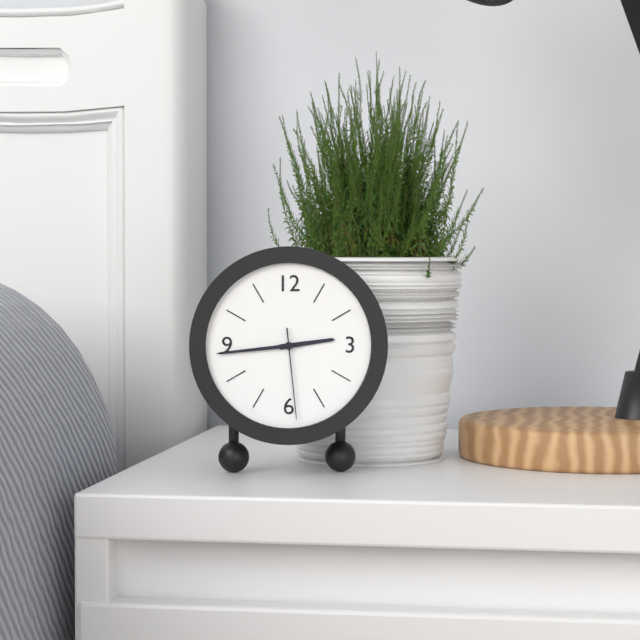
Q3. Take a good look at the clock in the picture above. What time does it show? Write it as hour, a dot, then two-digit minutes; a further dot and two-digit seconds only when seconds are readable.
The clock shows 2.44.29
